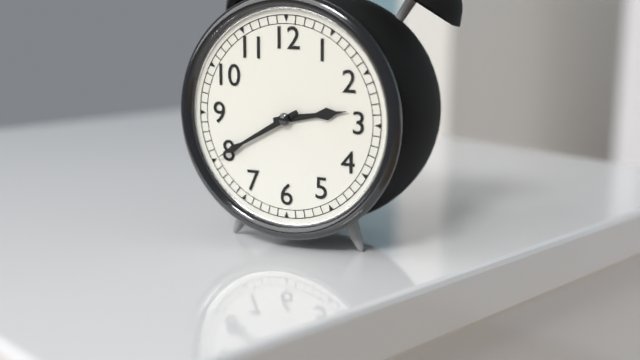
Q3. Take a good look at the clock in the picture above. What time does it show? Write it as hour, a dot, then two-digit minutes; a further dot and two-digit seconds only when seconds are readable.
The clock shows 2.40
